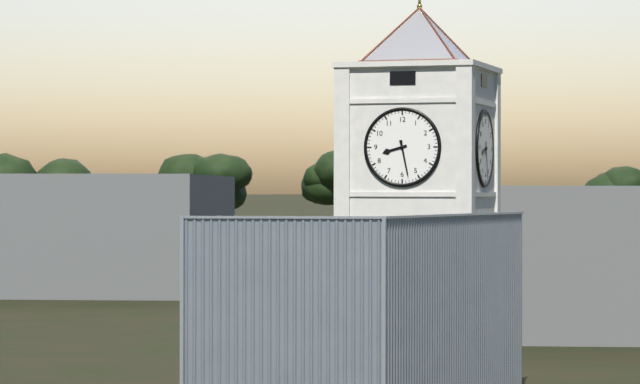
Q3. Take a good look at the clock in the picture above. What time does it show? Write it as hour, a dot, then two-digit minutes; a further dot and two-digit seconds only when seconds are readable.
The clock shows 8.28
